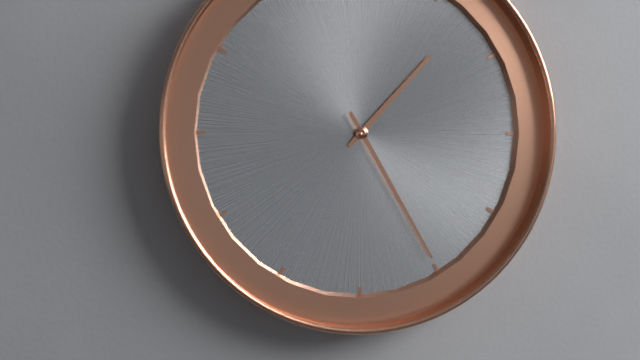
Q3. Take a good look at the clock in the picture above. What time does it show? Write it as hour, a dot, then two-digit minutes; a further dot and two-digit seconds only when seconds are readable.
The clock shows 1.25
